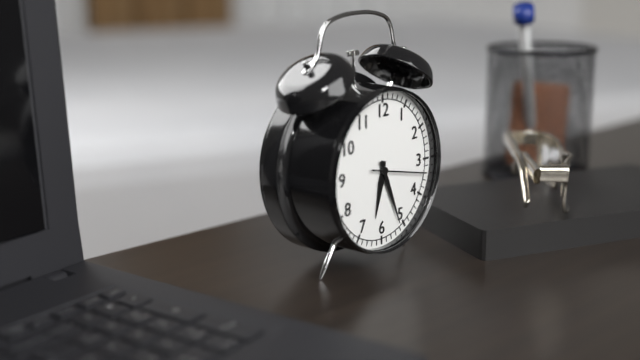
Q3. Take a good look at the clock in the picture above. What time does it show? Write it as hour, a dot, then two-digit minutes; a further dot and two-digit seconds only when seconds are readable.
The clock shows 6.26.17
